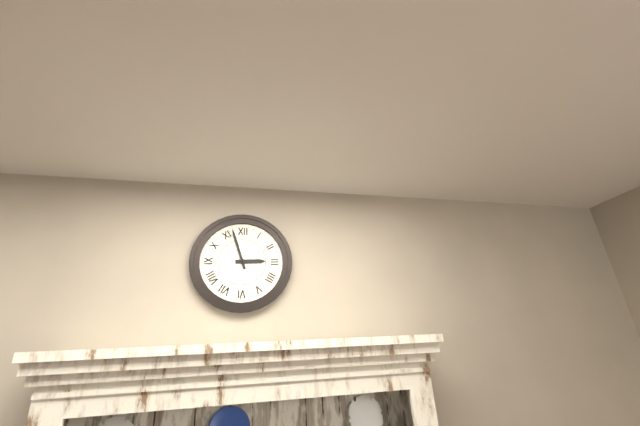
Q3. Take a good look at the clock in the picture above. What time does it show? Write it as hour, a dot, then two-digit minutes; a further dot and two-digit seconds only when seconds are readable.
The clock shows 2.57
